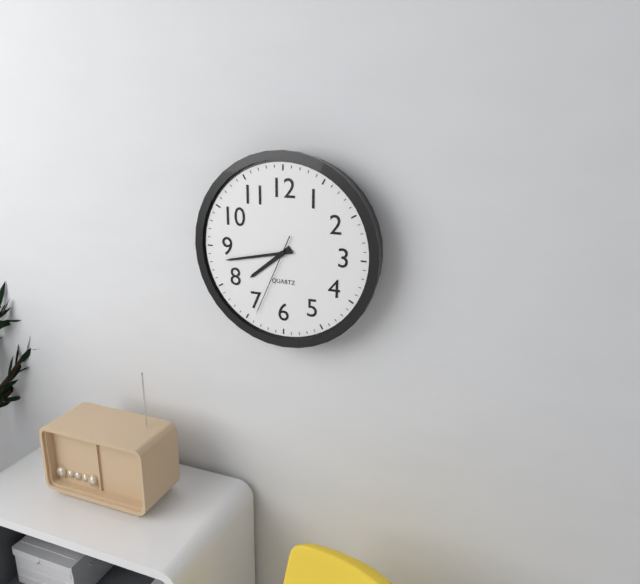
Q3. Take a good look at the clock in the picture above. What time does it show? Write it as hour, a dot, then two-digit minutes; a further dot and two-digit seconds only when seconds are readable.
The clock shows 7.43.34
